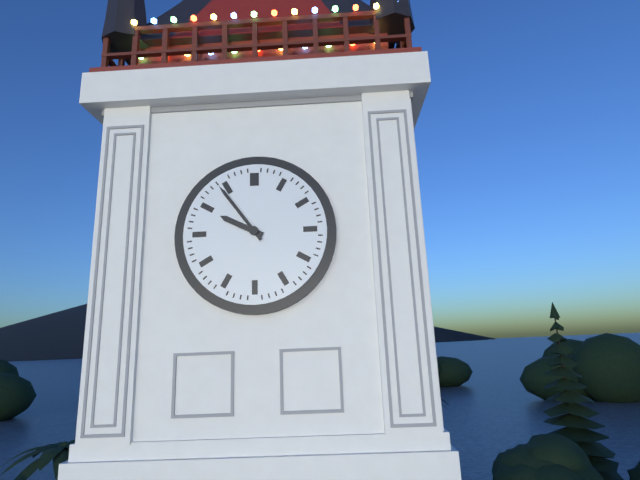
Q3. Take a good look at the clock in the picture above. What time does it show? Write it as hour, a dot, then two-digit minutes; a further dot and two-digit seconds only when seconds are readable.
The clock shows 9.54
